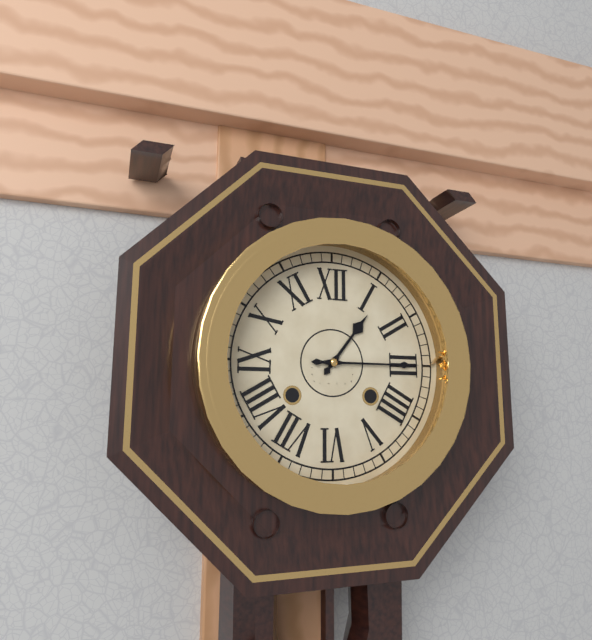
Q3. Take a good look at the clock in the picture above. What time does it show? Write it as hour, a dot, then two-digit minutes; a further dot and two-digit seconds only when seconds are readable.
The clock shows 1.15
